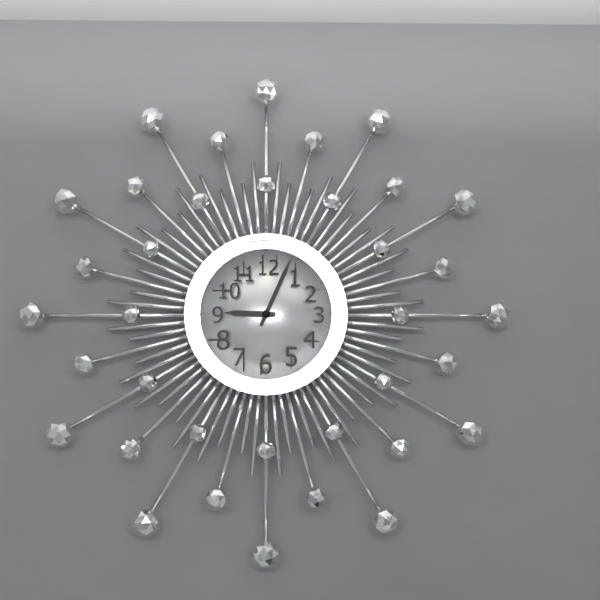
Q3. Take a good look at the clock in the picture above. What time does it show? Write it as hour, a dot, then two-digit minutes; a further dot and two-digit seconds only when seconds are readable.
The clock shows 9.04
